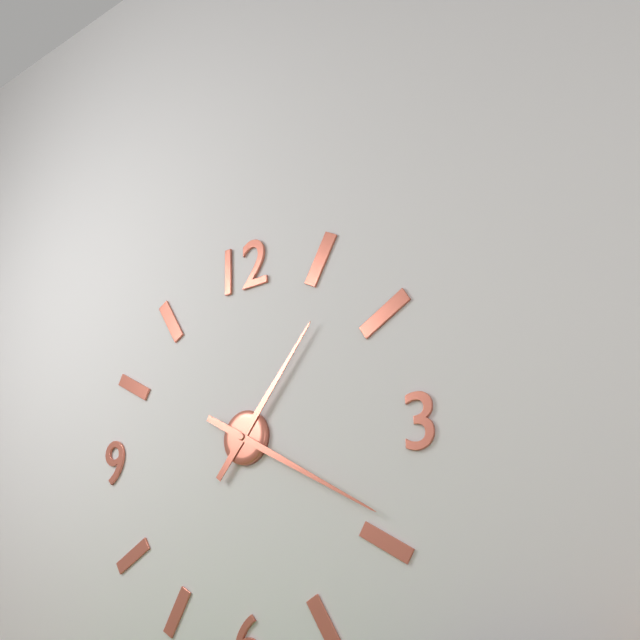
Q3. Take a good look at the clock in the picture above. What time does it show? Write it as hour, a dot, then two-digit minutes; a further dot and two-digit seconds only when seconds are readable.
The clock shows 1.20
